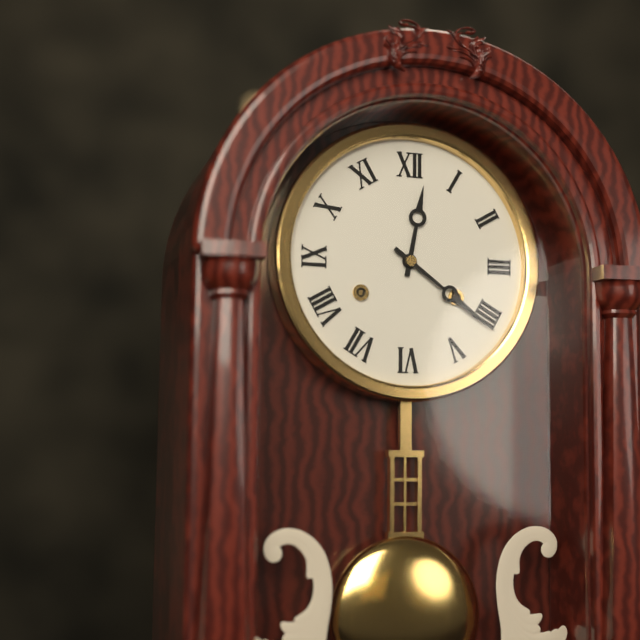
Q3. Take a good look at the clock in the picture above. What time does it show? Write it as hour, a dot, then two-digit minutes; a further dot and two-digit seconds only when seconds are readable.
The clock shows 12.21
